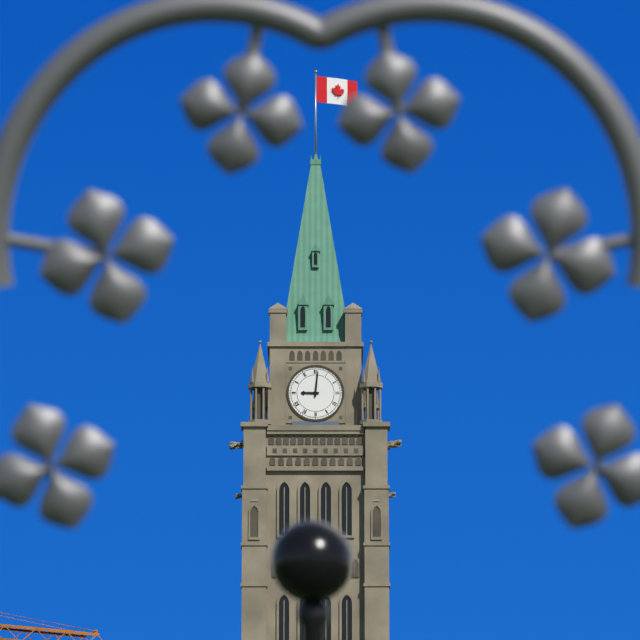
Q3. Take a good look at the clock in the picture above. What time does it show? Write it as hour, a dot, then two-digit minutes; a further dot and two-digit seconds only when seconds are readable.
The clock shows 9.01
